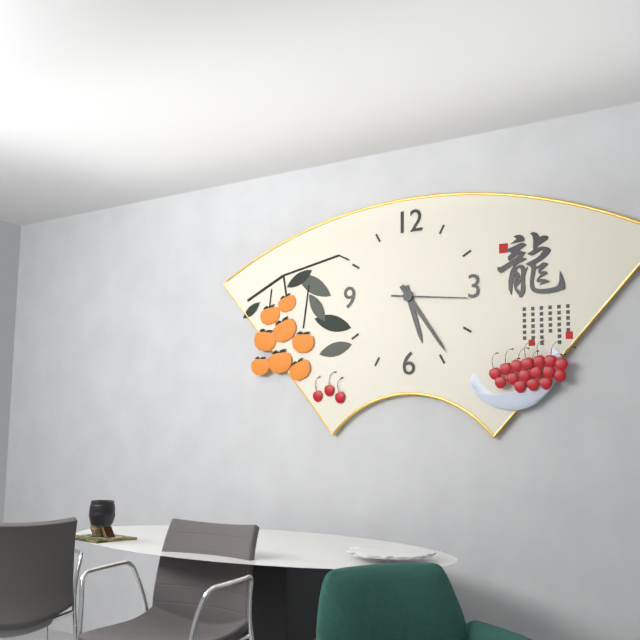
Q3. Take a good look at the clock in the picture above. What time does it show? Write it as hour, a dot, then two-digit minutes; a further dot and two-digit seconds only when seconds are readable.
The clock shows 5.24.16
